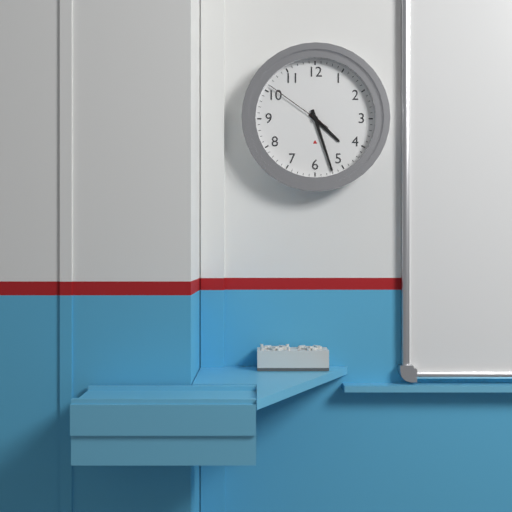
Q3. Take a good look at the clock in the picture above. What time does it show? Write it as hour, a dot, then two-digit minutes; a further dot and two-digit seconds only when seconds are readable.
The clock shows 4.27.51
